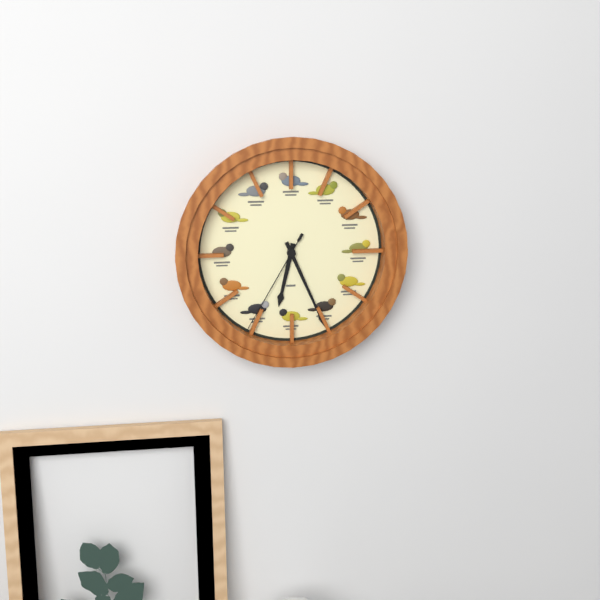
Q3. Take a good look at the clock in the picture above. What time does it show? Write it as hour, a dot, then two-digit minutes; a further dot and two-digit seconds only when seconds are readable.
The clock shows 6.26.35
